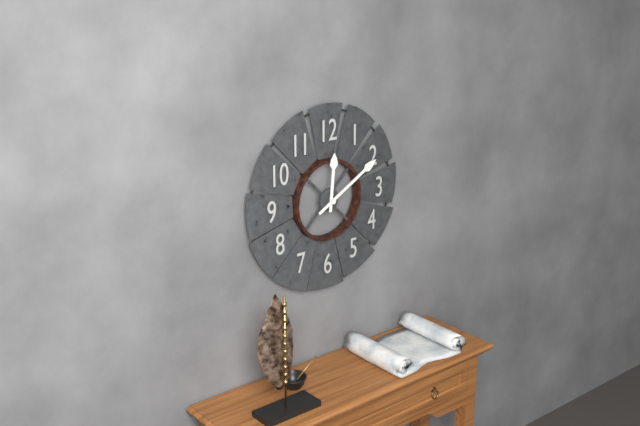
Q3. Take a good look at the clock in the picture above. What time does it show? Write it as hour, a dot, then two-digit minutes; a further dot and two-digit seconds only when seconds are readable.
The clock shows 12.10
